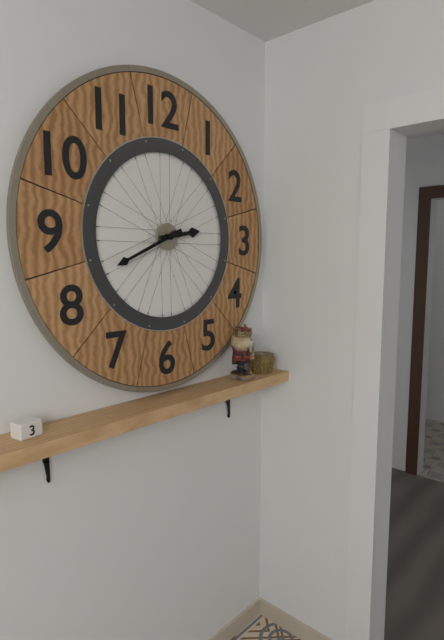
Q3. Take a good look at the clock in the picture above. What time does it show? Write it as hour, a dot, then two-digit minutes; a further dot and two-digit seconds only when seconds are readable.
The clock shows 2.41
